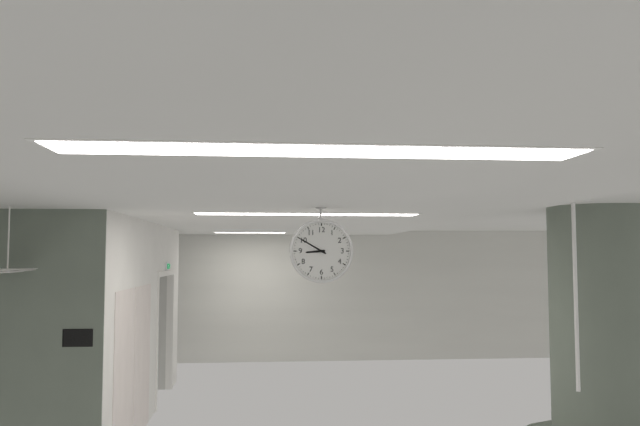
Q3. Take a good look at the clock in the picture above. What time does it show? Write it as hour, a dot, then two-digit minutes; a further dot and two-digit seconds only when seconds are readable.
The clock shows 8.50
